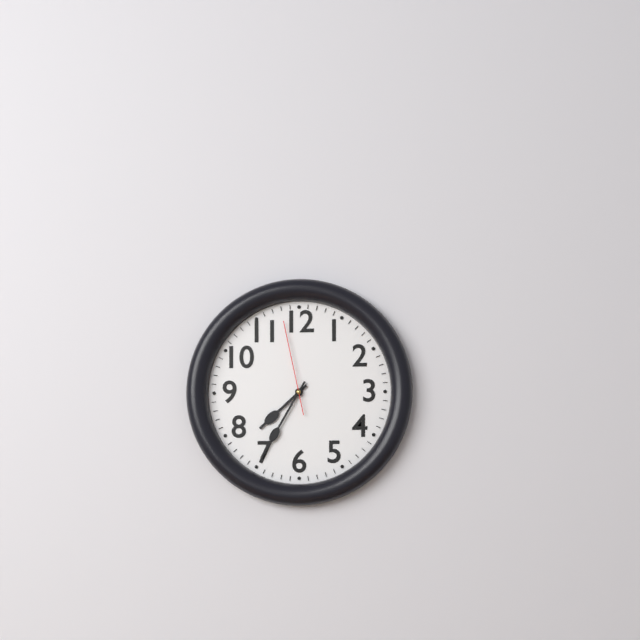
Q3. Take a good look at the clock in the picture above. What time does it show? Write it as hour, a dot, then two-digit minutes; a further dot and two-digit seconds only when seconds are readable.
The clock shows 7.35.58
